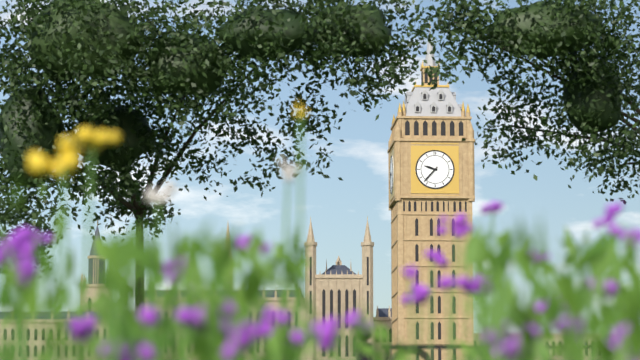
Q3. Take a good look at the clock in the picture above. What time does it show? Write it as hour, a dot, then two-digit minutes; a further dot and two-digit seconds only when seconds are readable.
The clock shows 9.37
